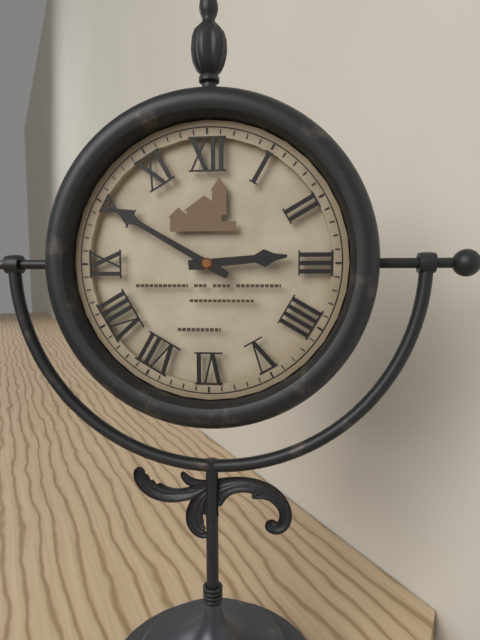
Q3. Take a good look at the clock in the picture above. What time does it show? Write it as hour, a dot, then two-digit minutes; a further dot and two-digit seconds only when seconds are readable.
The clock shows 2.50
